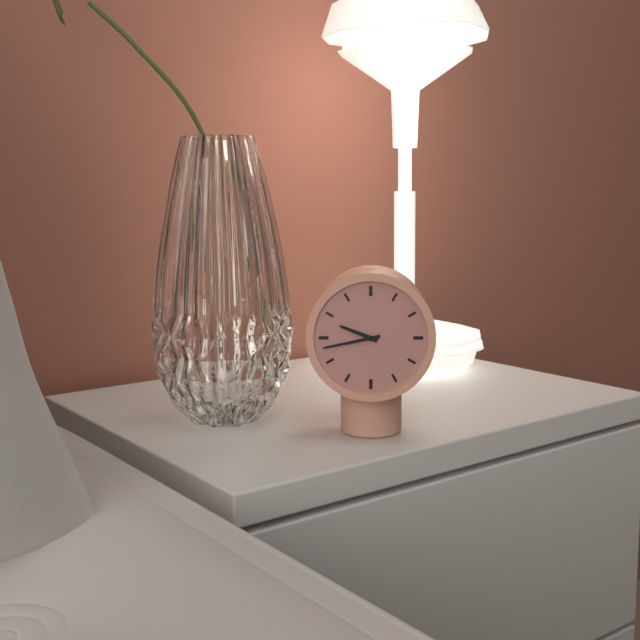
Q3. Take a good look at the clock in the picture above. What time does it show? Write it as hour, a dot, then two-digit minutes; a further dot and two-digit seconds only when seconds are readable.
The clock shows 9.43
